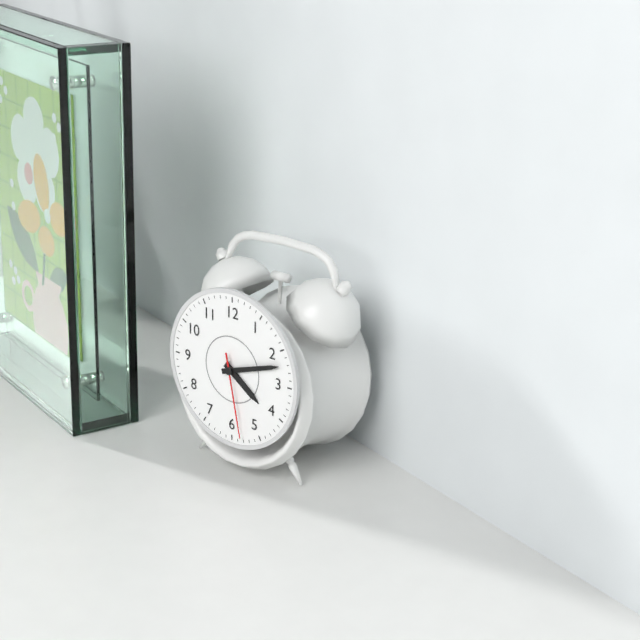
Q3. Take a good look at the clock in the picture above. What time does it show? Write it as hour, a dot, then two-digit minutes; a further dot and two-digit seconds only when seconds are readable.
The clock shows 4.12.28
